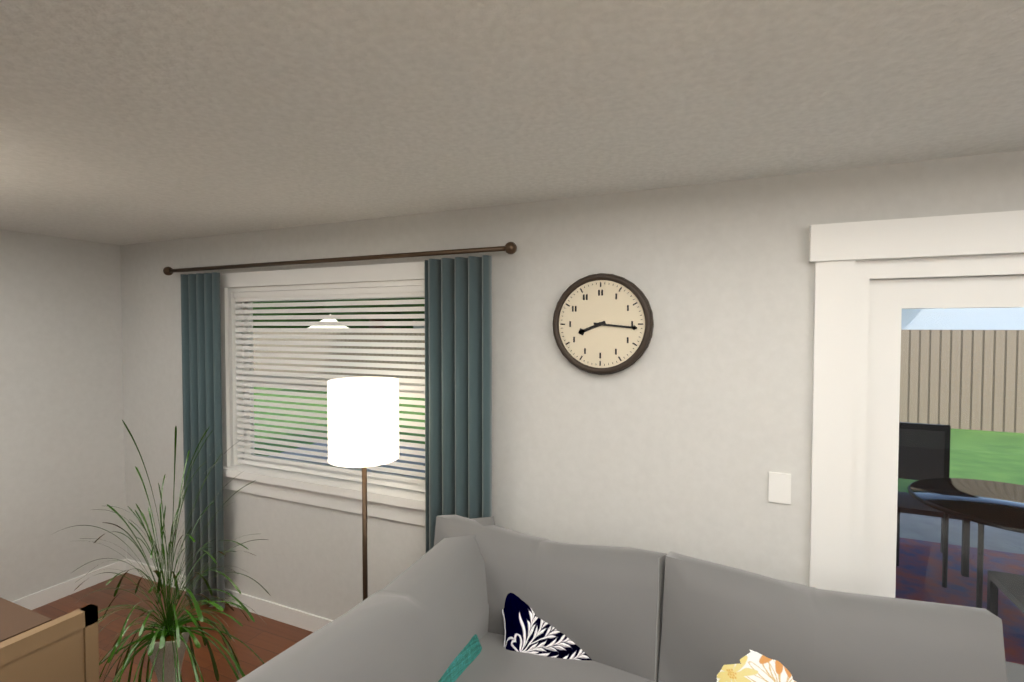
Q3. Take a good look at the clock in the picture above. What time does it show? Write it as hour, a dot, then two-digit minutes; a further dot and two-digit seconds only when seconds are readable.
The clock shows 8.16
